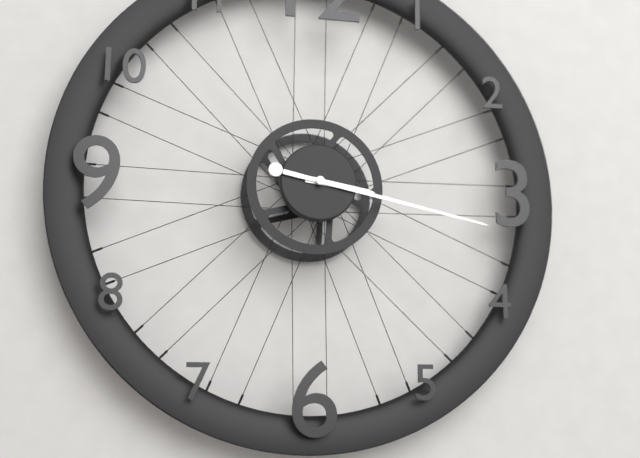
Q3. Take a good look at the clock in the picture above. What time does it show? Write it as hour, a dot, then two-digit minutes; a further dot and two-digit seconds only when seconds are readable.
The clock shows 3.17
